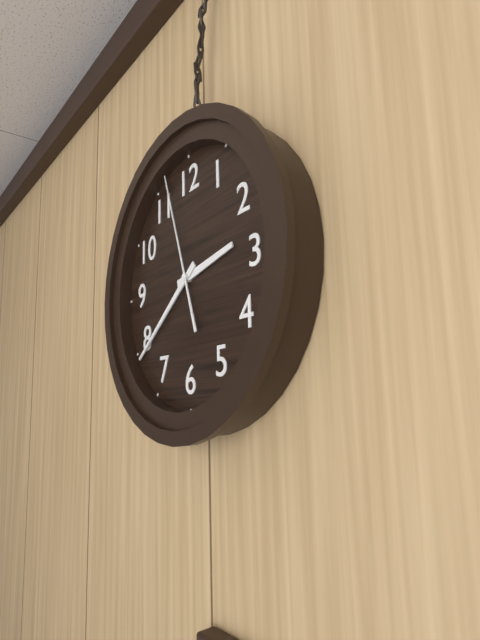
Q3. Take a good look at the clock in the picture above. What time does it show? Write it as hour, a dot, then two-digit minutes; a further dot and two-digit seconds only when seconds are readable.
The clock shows 2.39.57
